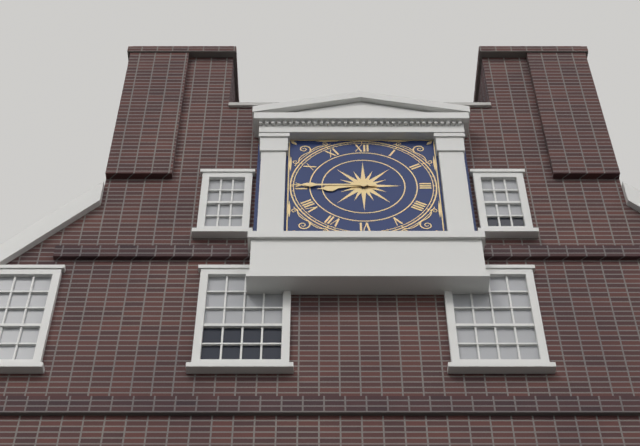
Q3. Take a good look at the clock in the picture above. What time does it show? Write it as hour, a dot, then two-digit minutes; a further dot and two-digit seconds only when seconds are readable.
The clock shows 8.45
